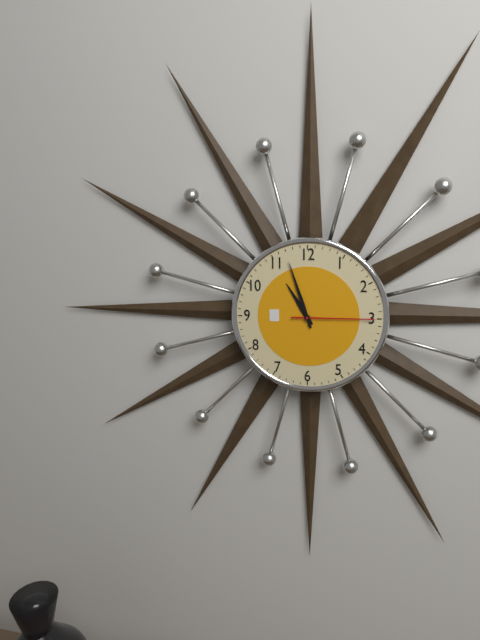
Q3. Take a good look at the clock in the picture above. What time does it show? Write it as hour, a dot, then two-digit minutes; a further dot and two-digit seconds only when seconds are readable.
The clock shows 10.57.15
